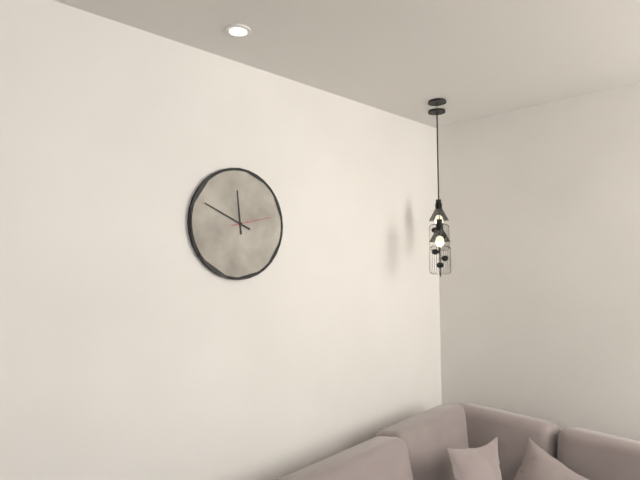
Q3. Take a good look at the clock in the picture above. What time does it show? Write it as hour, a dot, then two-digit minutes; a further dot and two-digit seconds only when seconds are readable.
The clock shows 11.49
